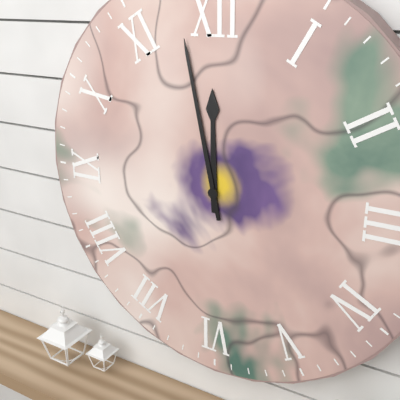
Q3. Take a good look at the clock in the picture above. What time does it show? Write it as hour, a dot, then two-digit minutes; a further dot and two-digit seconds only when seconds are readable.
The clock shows 11.58
